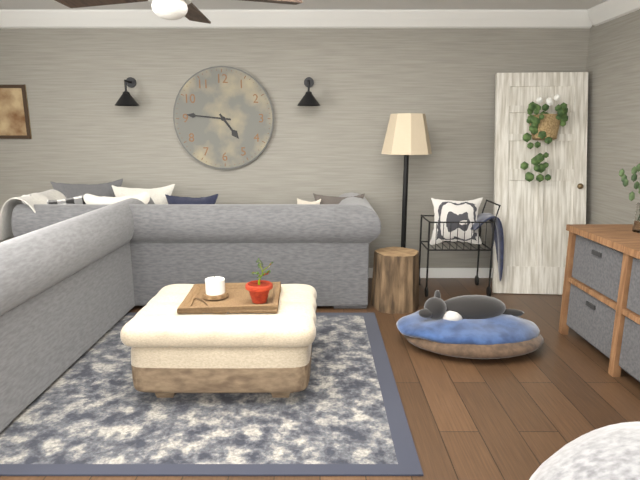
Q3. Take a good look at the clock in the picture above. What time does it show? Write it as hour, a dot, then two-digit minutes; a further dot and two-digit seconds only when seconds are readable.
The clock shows 4.46
